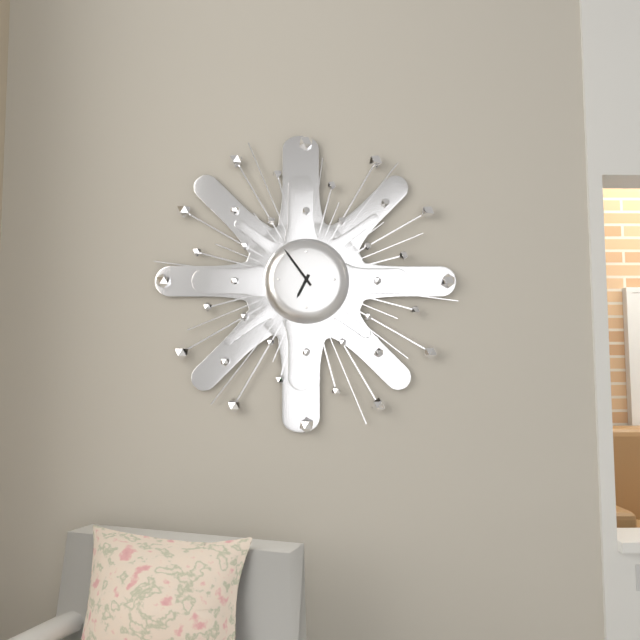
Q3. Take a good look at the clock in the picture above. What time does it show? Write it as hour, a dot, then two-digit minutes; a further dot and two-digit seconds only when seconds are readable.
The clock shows 6.54
